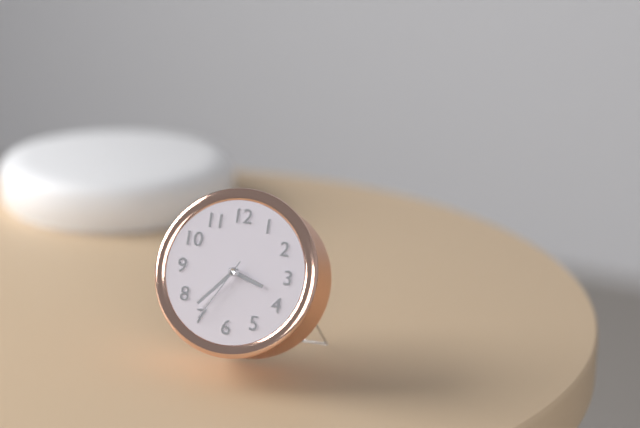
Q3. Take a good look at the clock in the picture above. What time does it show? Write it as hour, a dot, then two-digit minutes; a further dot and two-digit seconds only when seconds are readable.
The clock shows 3.37.35
